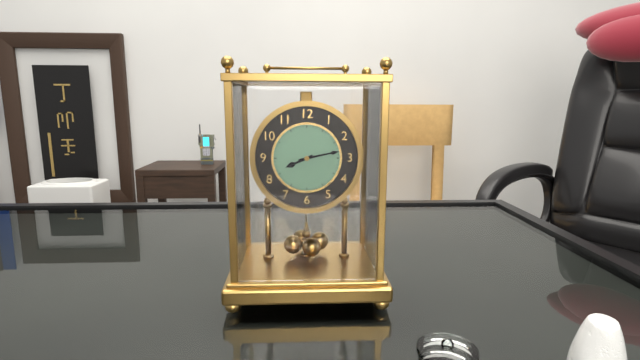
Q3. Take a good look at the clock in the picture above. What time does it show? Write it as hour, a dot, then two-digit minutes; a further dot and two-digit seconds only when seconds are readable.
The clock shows 8.13
